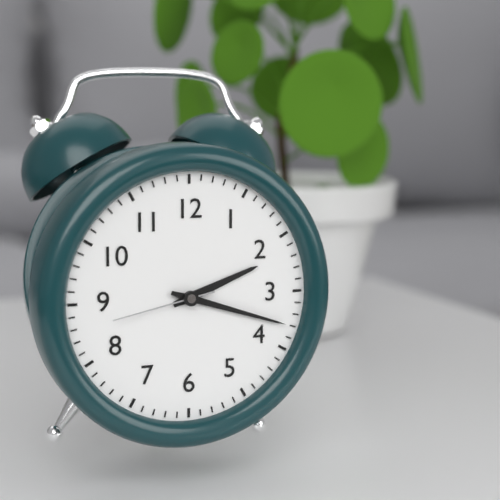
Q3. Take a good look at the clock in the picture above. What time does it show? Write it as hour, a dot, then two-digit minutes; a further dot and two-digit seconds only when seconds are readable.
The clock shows 2.18.43
